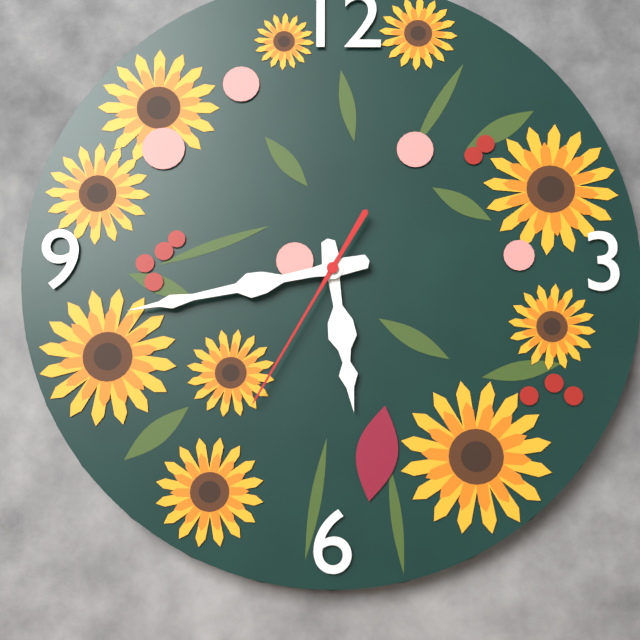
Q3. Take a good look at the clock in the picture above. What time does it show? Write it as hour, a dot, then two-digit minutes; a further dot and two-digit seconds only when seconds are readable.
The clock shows 5.43.35
